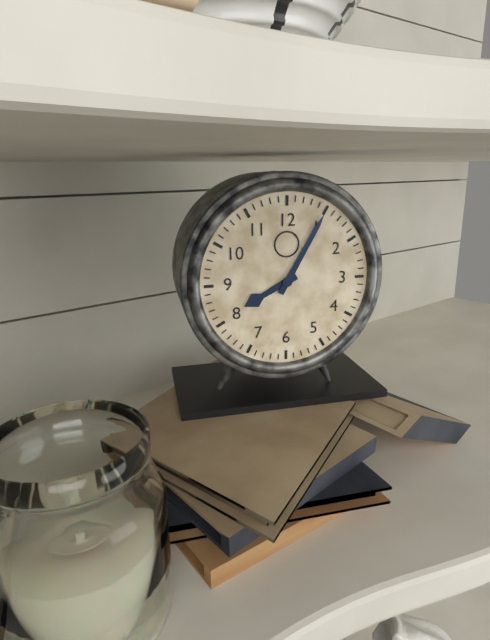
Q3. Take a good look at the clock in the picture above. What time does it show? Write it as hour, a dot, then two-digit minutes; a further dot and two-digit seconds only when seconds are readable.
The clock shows 8.05
